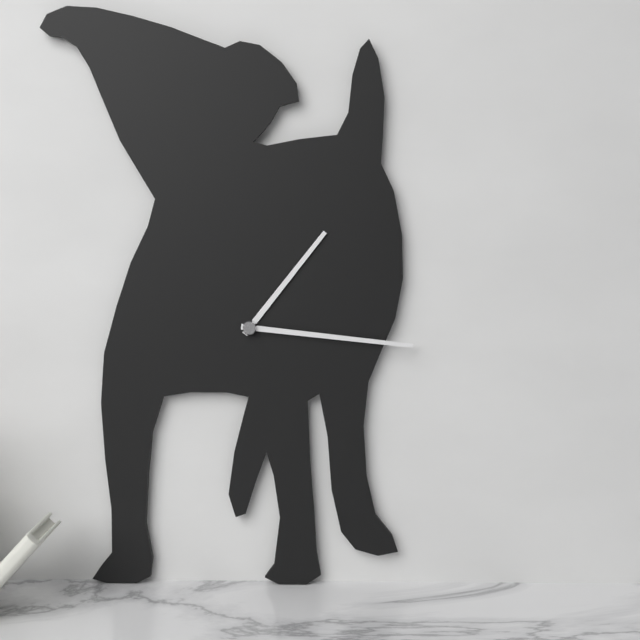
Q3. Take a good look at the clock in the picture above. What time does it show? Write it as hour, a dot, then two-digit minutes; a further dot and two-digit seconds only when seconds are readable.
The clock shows 1.16
